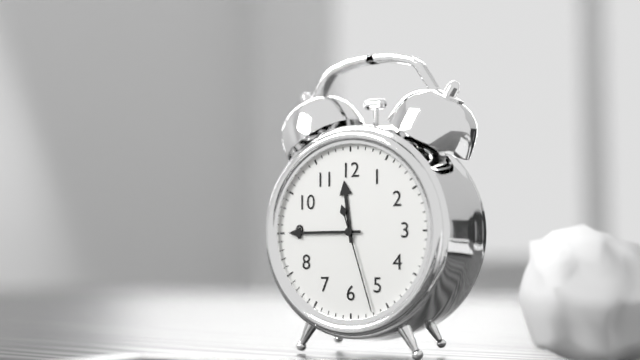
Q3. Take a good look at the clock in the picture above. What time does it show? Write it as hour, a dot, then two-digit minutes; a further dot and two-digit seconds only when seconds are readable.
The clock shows 11.45.27
